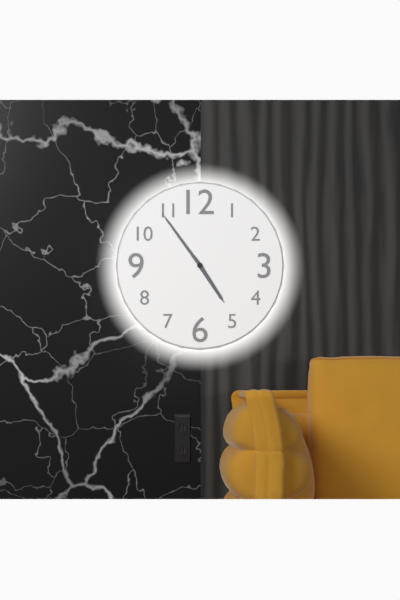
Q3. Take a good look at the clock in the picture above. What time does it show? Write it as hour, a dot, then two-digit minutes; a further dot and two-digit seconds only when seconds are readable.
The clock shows 4.54
